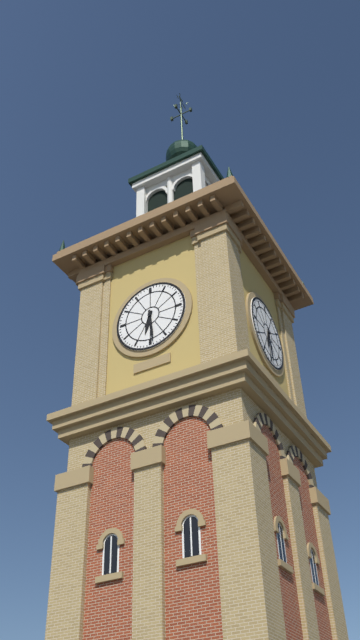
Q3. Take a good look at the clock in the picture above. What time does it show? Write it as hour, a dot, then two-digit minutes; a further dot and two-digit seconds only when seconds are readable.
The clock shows 6.29
